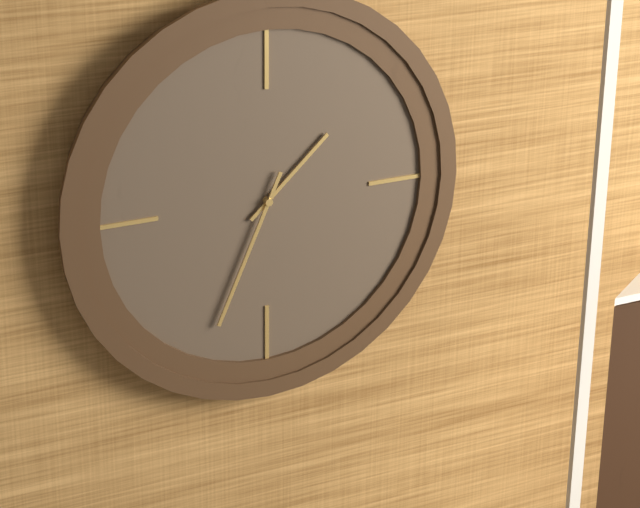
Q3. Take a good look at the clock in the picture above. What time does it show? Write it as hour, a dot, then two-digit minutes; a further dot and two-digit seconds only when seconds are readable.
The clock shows 1.34
